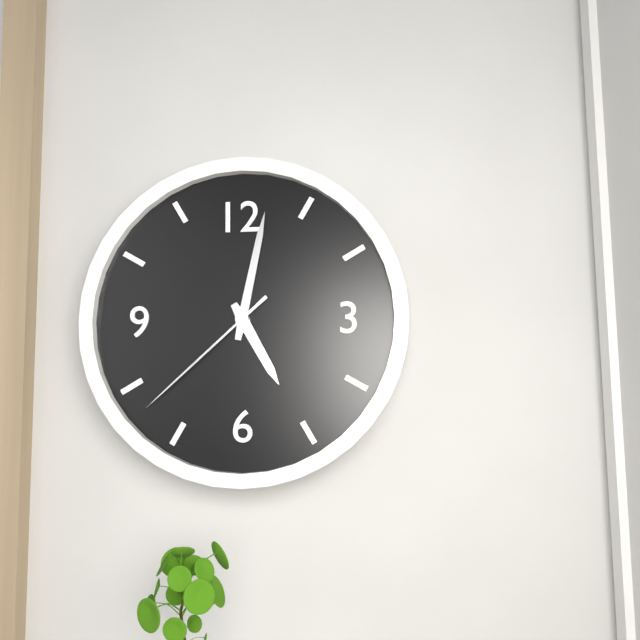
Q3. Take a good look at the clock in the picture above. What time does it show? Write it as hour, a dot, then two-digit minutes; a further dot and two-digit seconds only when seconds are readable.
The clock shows 5.02.38
